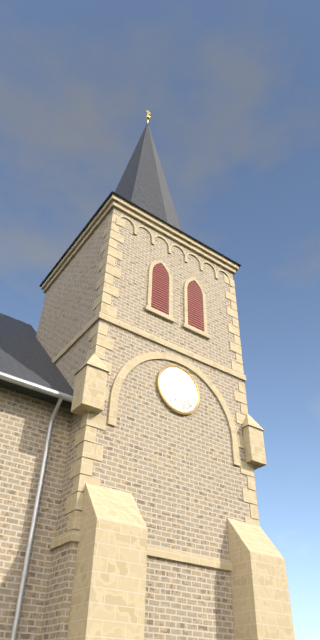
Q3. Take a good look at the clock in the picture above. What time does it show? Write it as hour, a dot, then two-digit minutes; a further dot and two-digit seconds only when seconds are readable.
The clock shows 6.35
